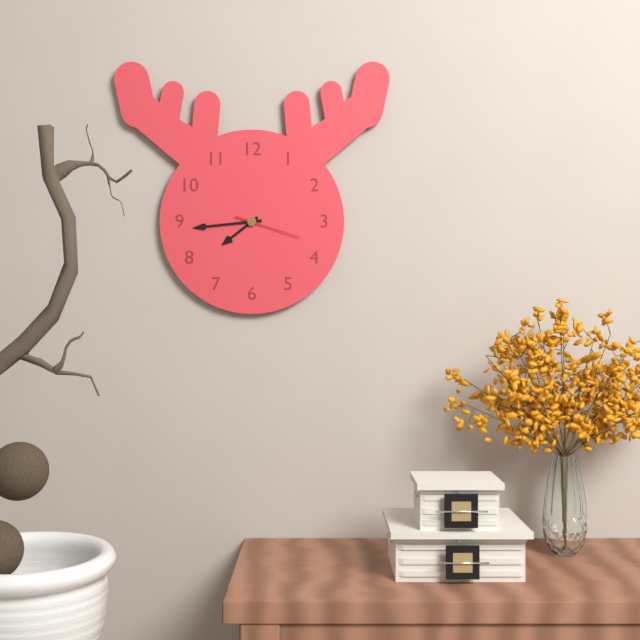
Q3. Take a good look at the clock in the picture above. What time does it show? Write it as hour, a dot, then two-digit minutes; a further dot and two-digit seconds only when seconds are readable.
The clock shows 7.44.18
